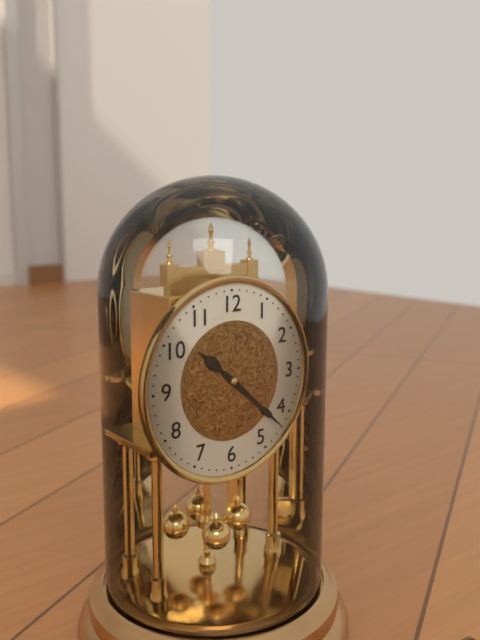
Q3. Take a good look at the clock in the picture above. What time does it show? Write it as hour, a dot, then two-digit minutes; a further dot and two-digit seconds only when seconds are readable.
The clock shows 10.22
